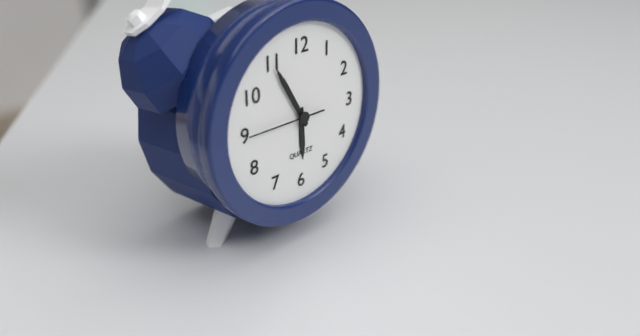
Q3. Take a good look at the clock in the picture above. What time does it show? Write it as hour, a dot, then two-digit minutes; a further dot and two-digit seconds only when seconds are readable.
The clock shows 5.55.45
